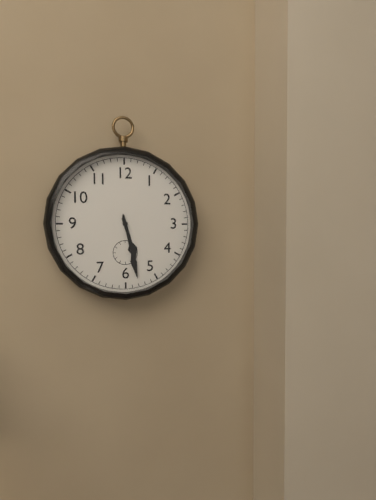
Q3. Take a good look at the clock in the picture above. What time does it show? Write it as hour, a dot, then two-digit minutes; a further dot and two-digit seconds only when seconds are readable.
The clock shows 5.28
